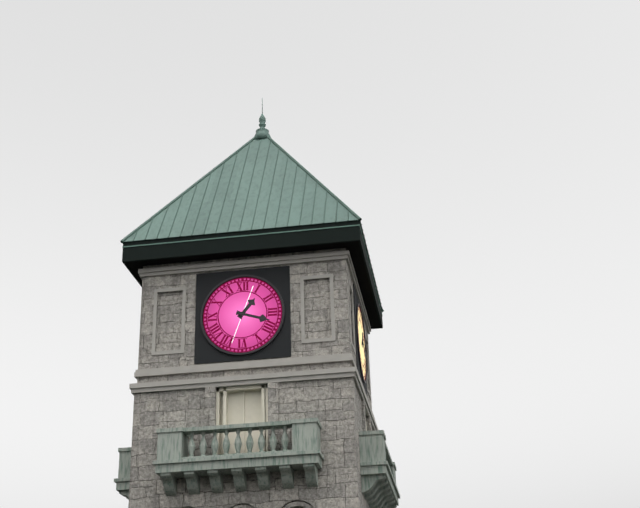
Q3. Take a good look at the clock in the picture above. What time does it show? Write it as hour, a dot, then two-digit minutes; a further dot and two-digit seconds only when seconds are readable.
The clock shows 1.18
